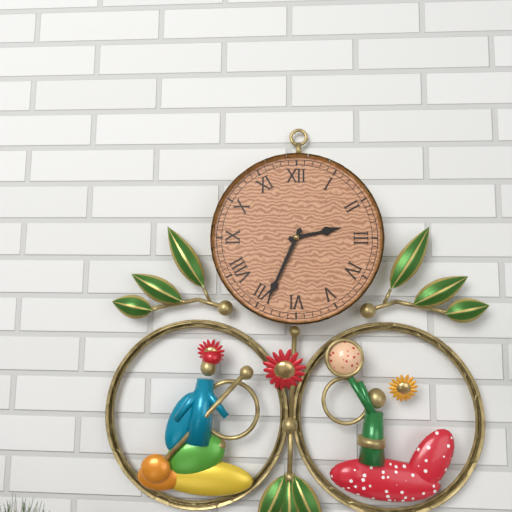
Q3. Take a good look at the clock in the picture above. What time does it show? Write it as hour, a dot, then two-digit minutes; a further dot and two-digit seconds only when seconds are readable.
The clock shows 2.34
